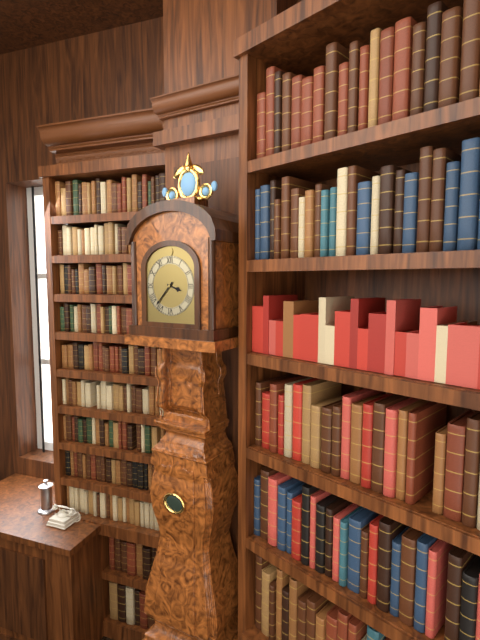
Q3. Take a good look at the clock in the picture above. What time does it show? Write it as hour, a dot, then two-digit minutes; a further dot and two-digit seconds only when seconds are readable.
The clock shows 3.37
